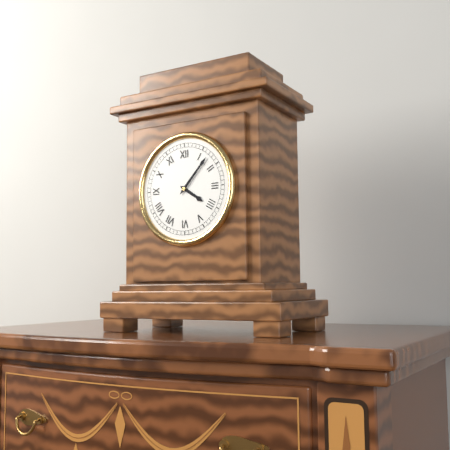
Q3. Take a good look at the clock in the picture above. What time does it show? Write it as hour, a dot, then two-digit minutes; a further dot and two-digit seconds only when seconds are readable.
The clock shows 4.07
